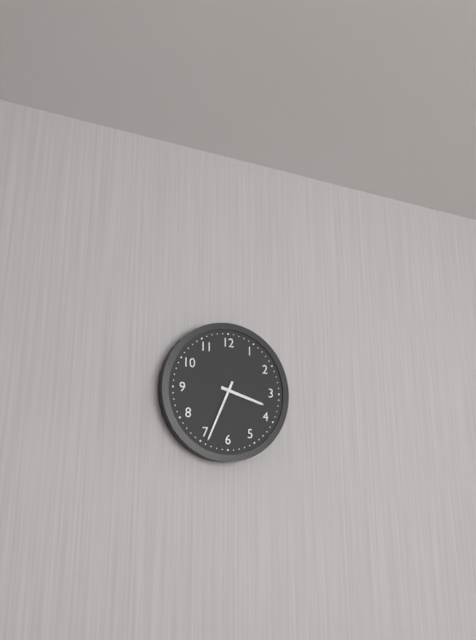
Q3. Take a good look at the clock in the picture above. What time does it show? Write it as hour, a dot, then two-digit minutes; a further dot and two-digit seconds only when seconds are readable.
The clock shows 3.34
